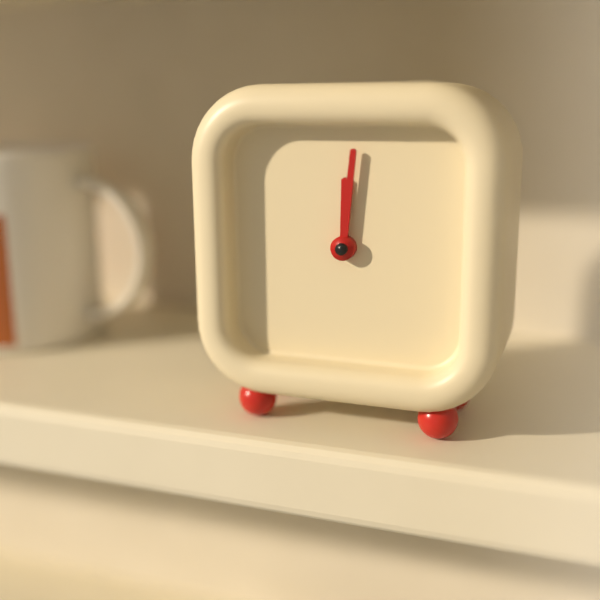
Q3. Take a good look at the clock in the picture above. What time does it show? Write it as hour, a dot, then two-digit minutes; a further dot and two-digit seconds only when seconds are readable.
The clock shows 12.01
